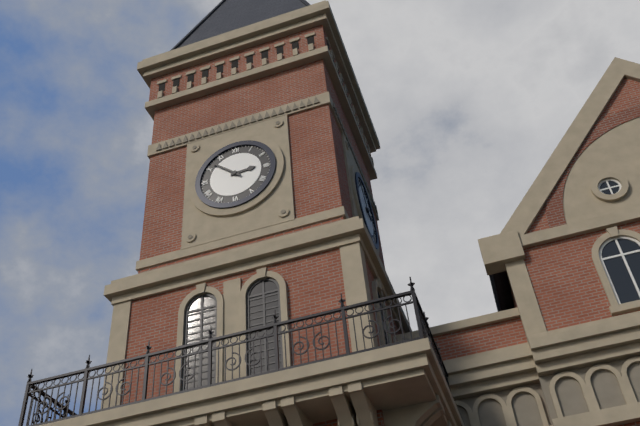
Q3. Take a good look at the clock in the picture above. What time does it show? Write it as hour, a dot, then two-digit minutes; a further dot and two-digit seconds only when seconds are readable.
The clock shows 2.52
